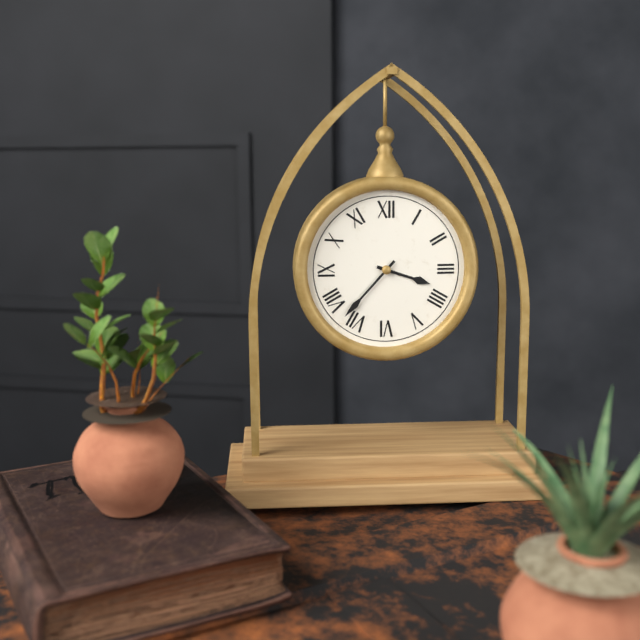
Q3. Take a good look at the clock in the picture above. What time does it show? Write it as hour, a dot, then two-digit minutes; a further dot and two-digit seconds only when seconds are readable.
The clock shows 3.37
